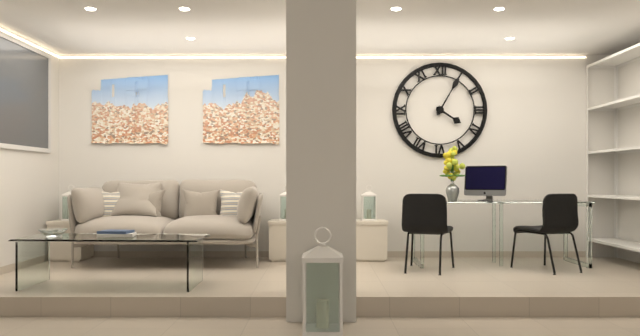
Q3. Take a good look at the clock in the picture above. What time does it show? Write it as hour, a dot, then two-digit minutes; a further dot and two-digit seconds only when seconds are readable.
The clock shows 4.05
